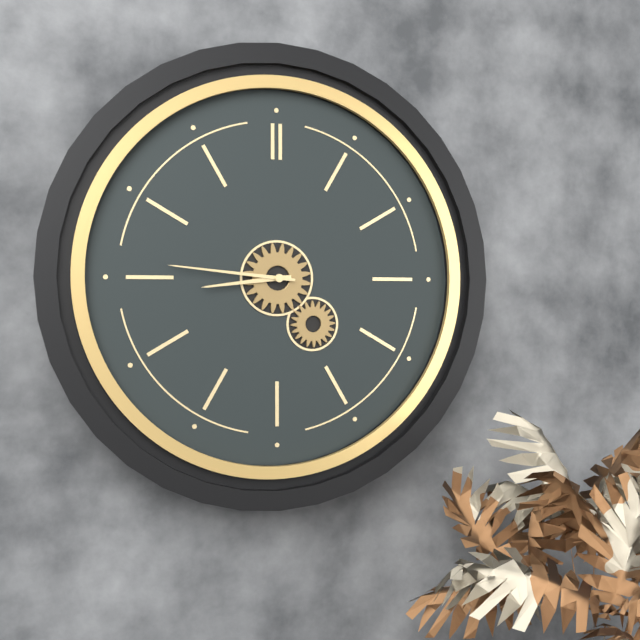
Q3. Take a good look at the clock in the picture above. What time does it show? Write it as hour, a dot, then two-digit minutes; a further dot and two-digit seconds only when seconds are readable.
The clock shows 8.46
